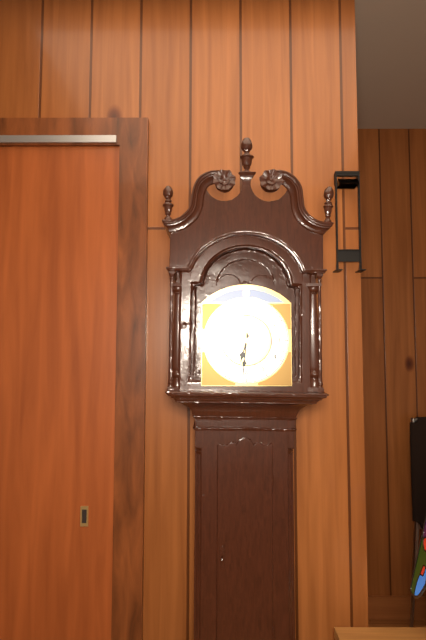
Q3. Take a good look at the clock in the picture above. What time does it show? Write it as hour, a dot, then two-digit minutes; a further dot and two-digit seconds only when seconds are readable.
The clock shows 6.31
